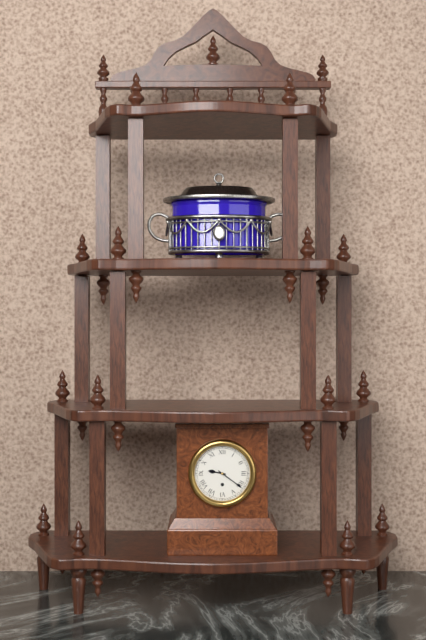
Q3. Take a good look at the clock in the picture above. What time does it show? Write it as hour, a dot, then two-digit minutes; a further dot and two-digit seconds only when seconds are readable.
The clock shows 9.21
